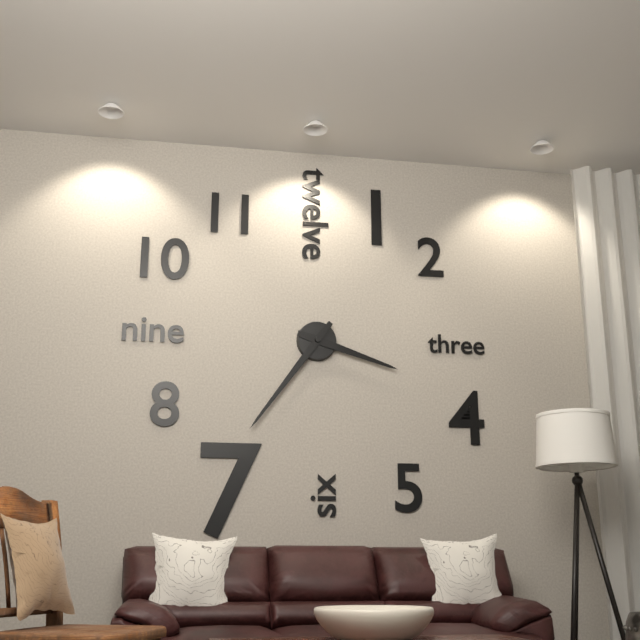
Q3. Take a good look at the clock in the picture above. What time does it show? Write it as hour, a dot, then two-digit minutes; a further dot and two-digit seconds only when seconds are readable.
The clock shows 3.36
